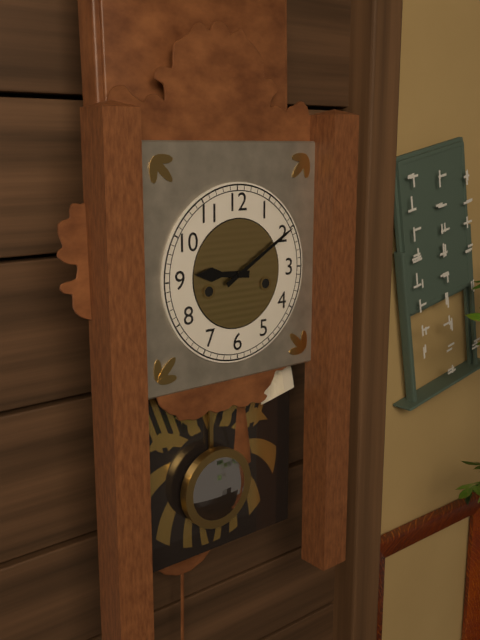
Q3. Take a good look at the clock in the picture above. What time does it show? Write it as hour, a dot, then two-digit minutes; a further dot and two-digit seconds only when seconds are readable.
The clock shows 9.10
